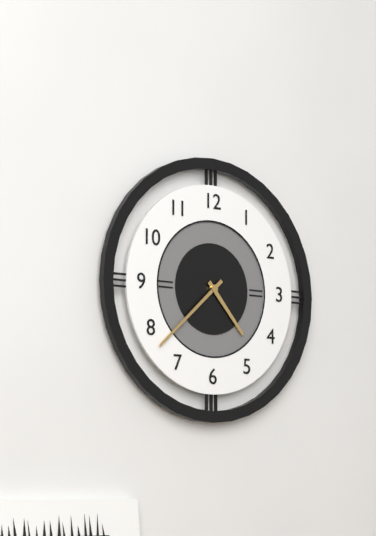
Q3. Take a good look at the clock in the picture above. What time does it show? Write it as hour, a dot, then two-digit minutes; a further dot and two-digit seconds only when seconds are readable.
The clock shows 4.38
